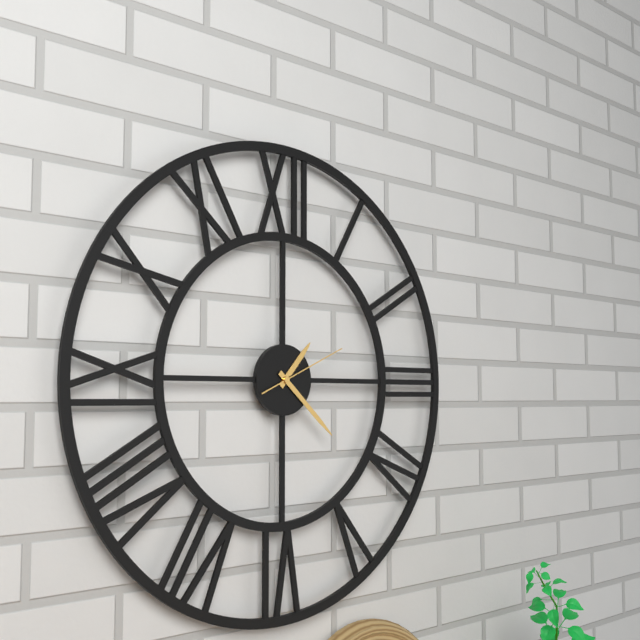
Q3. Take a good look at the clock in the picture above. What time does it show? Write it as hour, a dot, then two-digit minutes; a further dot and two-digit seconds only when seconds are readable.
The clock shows 1.22.11
